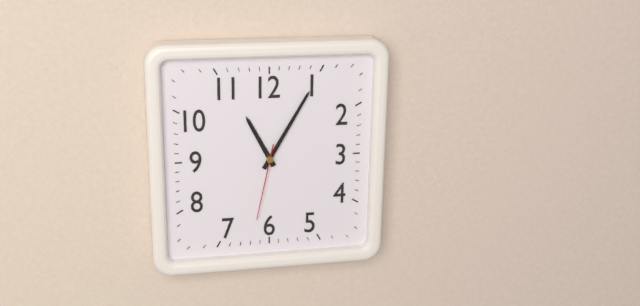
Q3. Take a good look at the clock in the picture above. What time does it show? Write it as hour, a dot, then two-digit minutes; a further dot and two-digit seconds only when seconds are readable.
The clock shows 11.05.32
